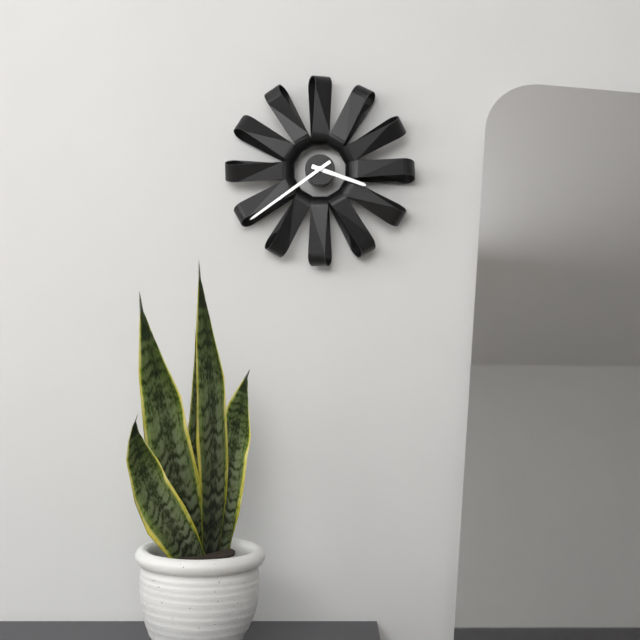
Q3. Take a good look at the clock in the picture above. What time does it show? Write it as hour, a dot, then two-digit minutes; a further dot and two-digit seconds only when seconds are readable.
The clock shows 3.39
